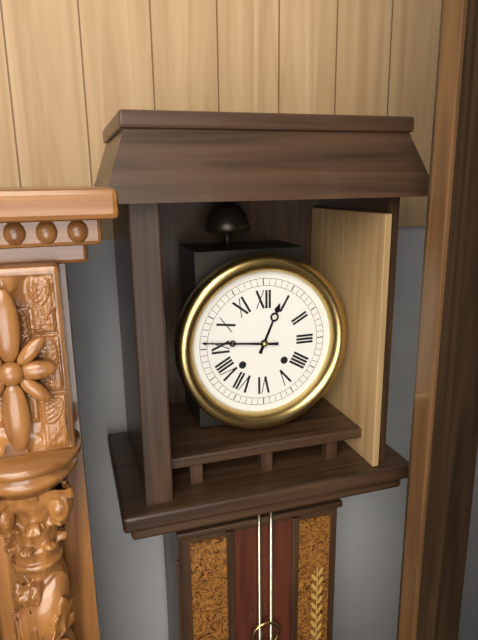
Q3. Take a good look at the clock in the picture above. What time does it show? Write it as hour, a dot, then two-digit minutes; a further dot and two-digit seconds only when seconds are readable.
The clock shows 12.46
